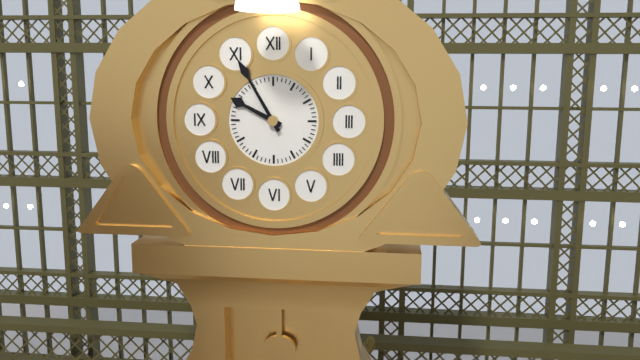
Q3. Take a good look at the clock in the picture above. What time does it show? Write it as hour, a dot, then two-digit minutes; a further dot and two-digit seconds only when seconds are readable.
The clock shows 9.55
